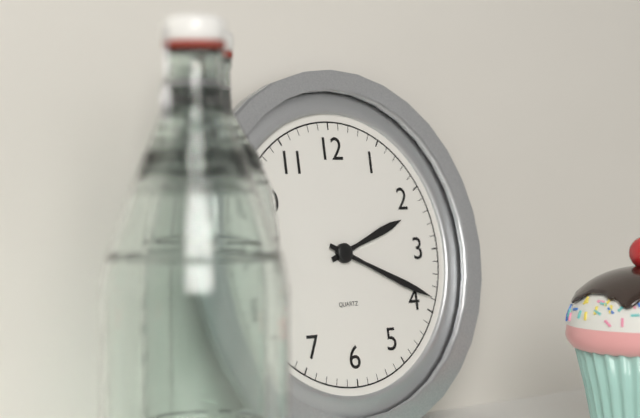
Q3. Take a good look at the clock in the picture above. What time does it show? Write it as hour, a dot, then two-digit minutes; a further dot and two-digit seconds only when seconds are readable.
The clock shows 2.19
